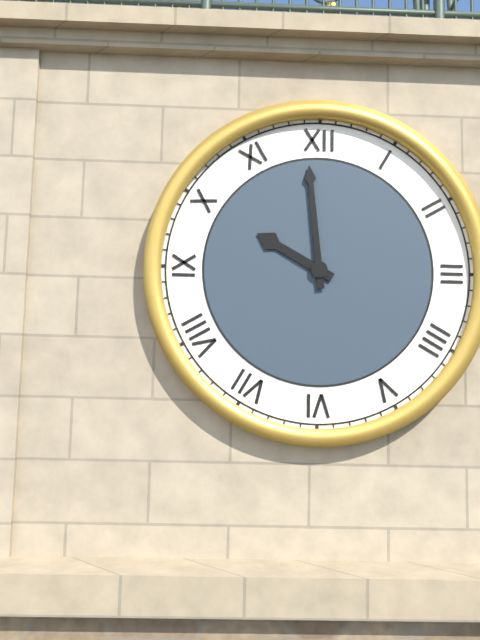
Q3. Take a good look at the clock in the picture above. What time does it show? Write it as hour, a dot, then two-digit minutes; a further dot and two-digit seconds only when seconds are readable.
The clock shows 9.59
